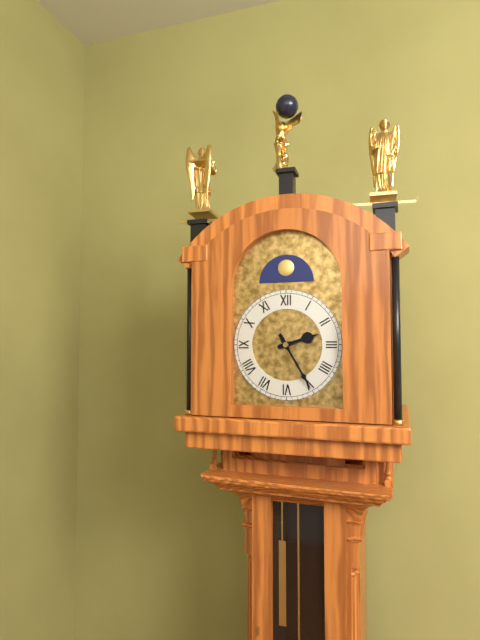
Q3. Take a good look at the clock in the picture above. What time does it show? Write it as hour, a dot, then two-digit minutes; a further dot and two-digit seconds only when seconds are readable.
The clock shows 2.25
